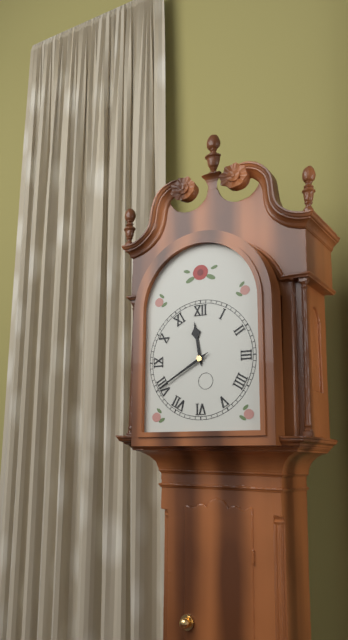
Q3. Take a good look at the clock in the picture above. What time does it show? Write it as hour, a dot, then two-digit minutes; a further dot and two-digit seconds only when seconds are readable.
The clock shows 11.40
